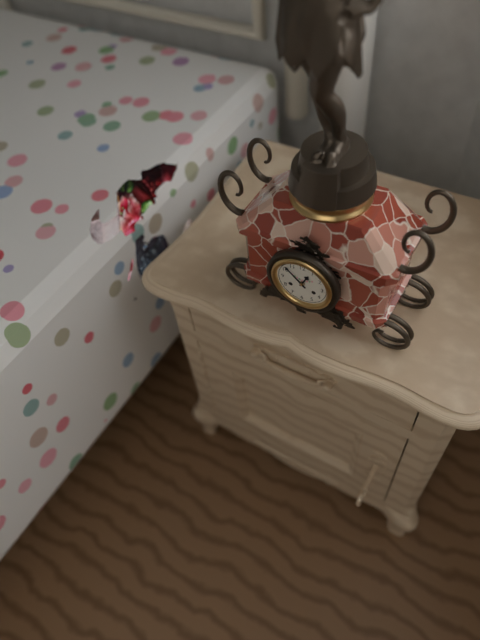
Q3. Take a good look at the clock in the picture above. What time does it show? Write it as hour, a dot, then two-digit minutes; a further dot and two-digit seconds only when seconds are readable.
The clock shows 12.52
